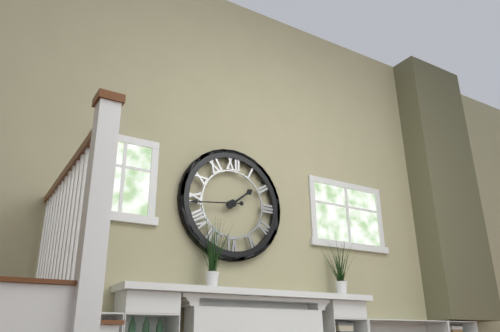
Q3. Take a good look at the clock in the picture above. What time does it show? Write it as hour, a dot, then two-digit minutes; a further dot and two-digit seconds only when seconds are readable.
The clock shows 1.44
